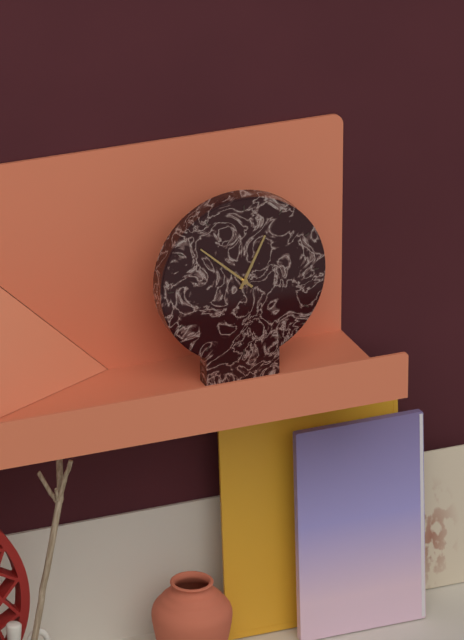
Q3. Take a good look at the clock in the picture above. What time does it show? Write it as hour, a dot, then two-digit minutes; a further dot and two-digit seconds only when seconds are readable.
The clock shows 12.52
